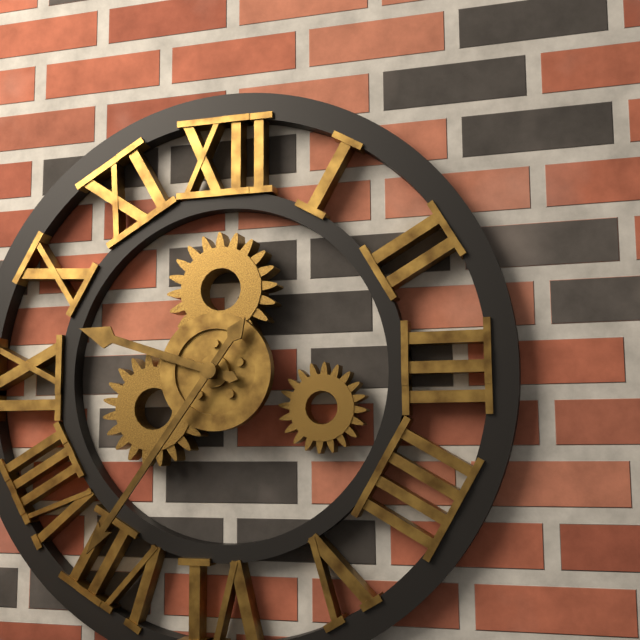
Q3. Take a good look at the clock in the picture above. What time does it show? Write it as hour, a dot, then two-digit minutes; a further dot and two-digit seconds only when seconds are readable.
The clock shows 9.36
